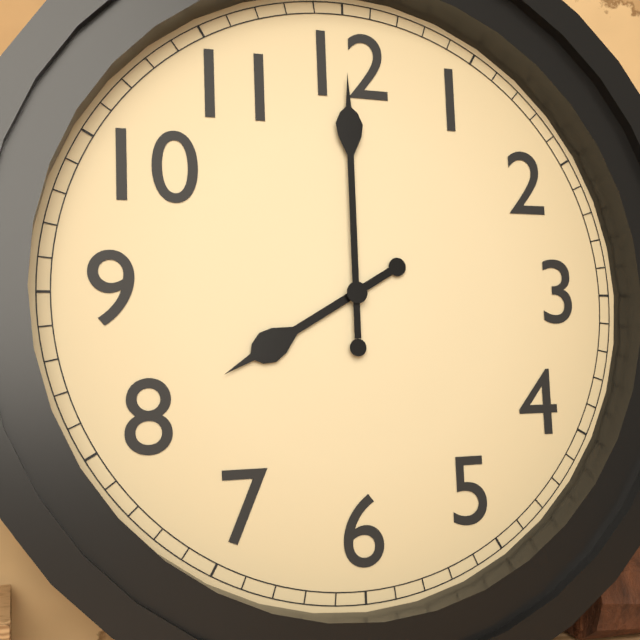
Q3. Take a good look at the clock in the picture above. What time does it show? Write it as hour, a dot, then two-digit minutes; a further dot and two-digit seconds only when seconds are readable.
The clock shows 8.00
